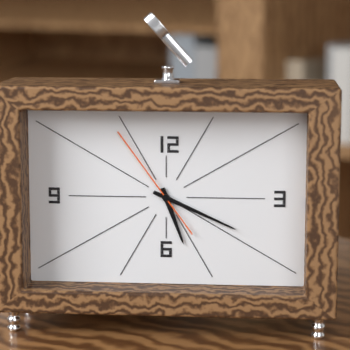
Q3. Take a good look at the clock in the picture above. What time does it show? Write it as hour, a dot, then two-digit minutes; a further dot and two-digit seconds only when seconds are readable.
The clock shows 5.19.54
